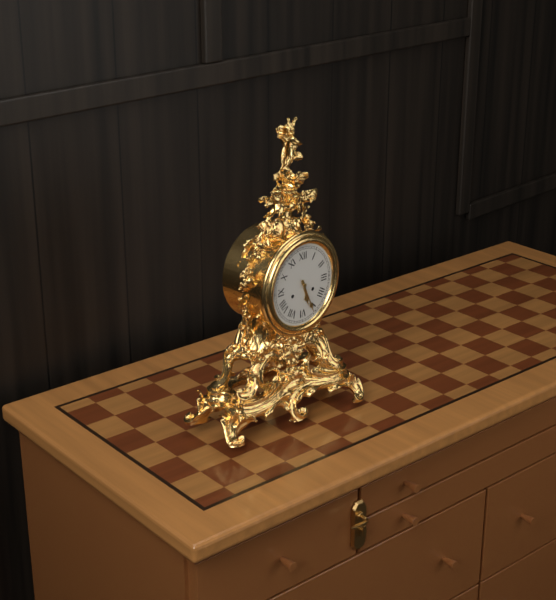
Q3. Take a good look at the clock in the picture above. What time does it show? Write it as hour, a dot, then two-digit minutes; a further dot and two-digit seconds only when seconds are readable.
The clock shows 5.26
